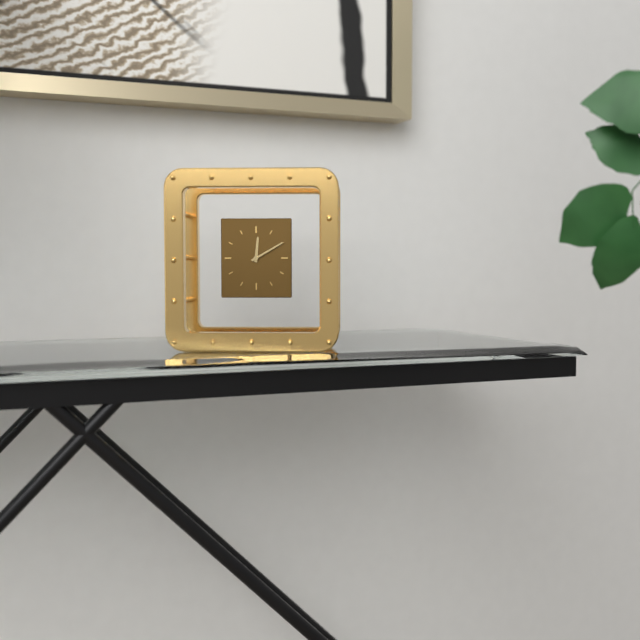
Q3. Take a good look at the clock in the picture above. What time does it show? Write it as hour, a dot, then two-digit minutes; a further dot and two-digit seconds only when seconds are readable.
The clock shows 12.10
